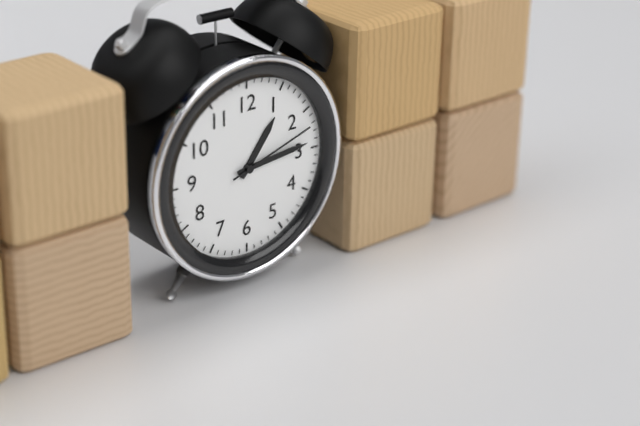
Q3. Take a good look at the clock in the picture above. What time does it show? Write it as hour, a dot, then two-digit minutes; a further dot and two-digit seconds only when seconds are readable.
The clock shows 1.14.12
